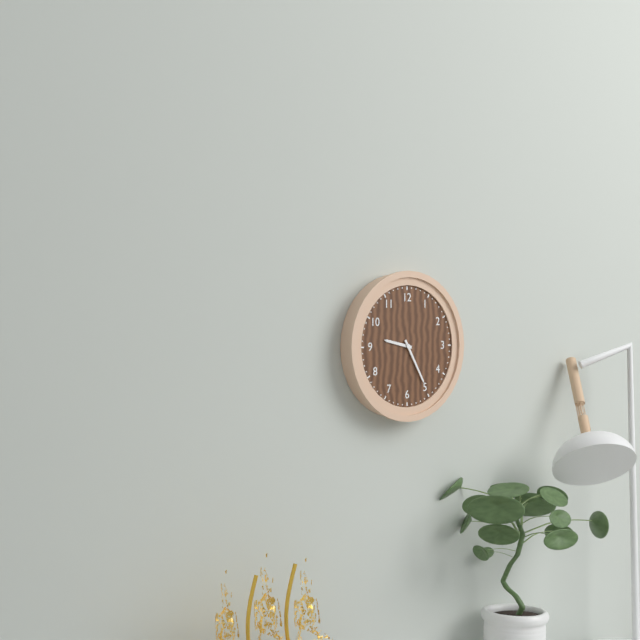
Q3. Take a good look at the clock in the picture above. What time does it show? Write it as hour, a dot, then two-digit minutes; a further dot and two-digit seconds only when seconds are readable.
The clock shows 9.25
